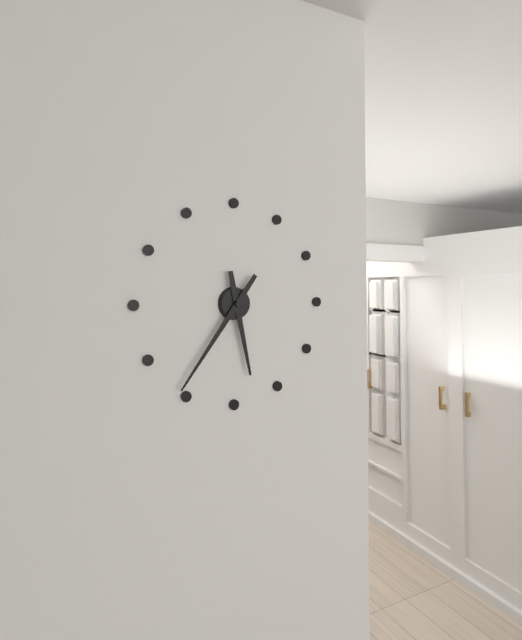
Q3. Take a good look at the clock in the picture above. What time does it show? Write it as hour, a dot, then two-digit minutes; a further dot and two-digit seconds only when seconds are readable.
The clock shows 5.36
